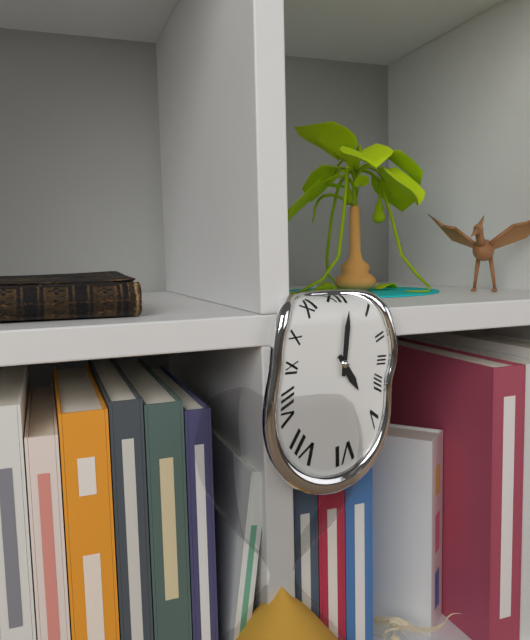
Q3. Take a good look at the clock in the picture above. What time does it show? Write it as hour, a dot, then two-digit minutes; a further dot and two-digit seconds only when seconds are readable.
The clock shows 5.01
